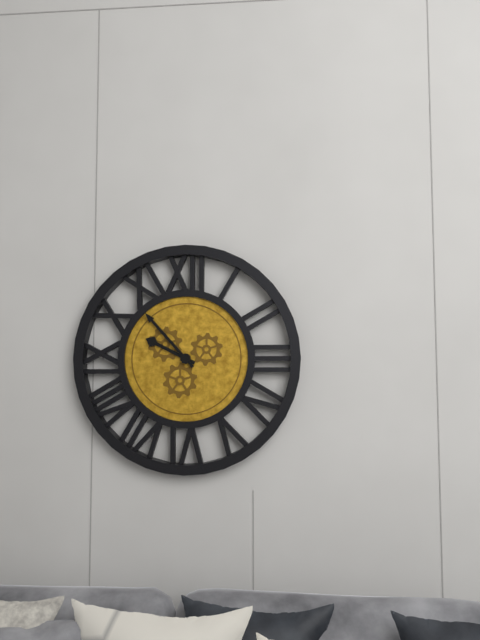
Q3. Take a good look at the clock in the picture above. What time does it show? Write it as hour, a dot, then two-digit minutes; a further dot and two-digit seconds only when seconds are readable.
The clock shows 9.53
